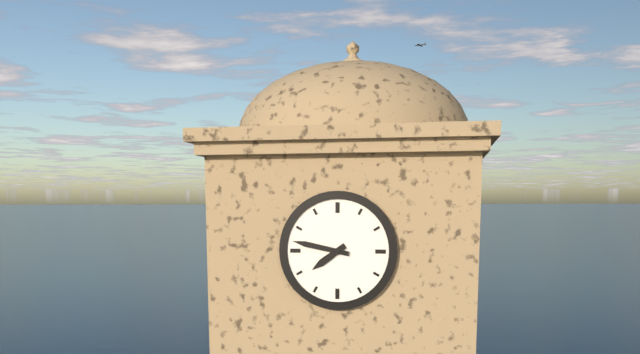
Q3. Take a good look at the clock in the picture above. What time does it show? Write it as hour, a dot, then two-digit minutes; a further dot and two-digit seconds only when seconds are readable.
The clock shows 7.47
